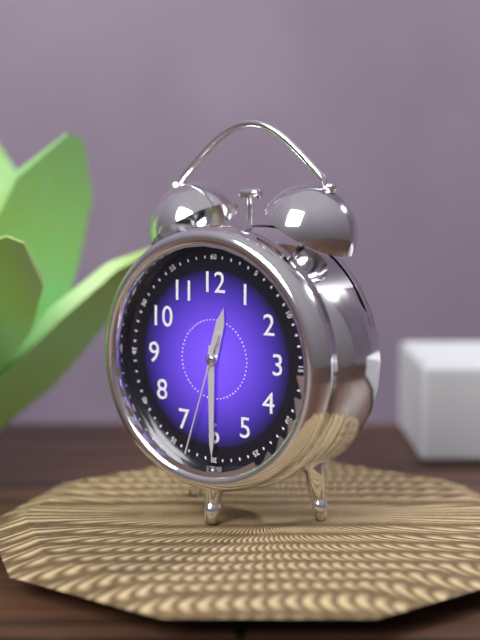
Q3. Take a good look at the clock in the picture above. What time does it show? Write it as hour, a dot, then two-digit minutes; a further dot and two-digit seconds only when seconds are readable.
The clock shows 12.30.33
